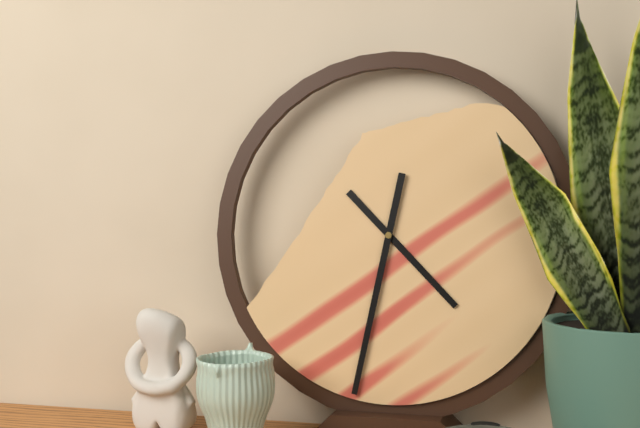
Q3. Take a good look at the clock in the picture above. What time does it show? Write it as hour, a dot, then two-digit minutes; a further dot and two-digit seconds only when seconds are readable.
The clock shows 4.32
